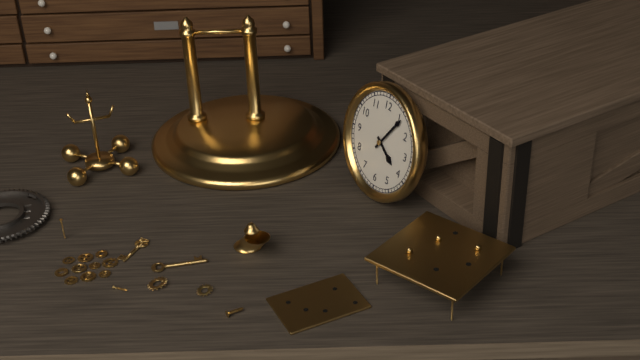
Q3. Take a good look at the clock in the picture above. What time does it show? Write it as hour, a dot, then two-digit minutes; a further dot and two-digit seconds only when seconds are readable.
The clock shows 4.06
